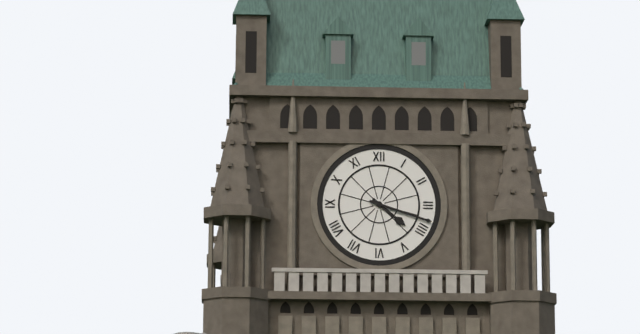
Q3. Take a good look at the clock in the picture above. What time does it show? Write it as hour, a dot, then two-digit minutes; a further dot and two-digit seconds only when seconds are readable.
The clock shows 4.18
